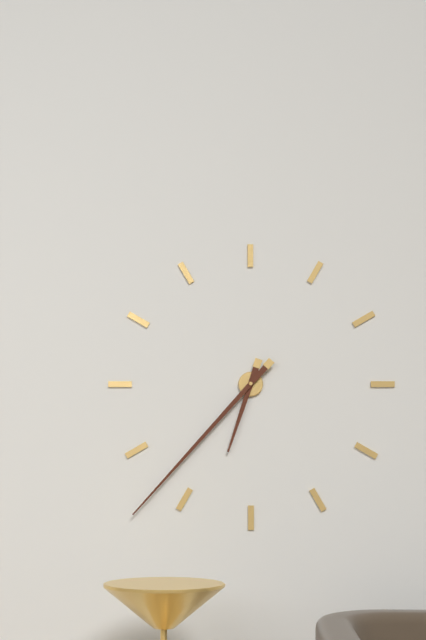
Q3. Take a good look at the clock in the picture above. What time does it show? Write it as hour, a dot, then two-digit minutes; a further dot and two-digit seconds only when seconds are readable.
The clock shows 6.37
